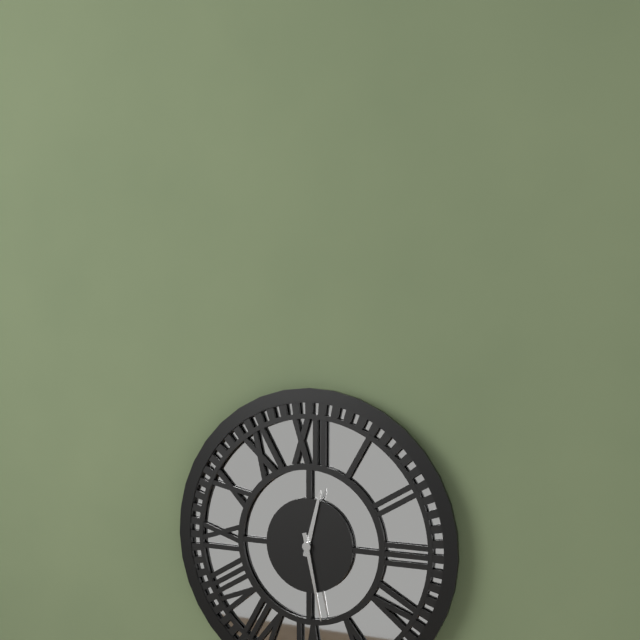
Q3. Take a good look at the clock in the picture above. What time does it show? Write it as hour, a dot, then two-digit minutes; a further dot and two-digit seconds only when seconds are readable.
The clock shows 12.28
